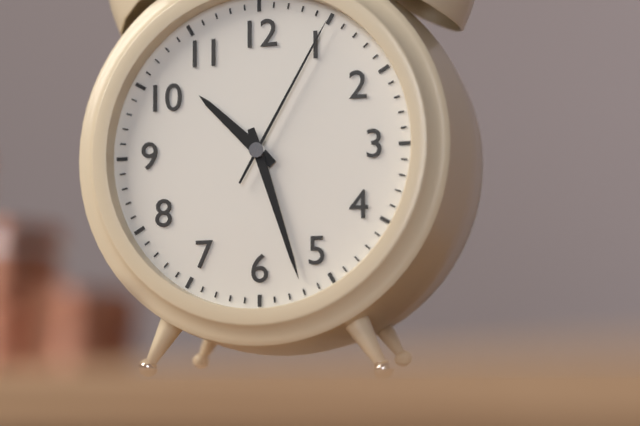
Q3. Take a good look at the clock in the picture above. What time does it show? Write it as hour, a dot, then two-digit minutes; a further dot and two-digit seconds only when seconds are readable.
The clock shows 10.27.05
